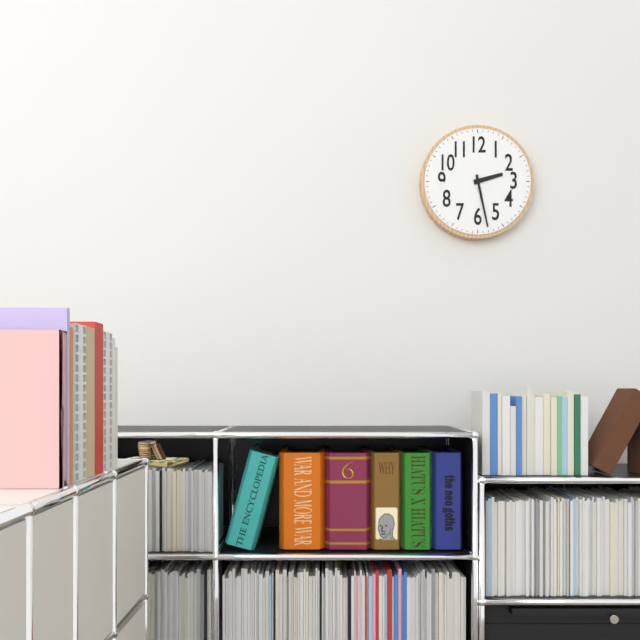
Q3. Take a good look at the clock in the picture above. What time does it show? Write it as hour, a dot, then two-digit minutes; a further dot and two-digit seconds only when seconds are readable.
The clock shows 2.28
